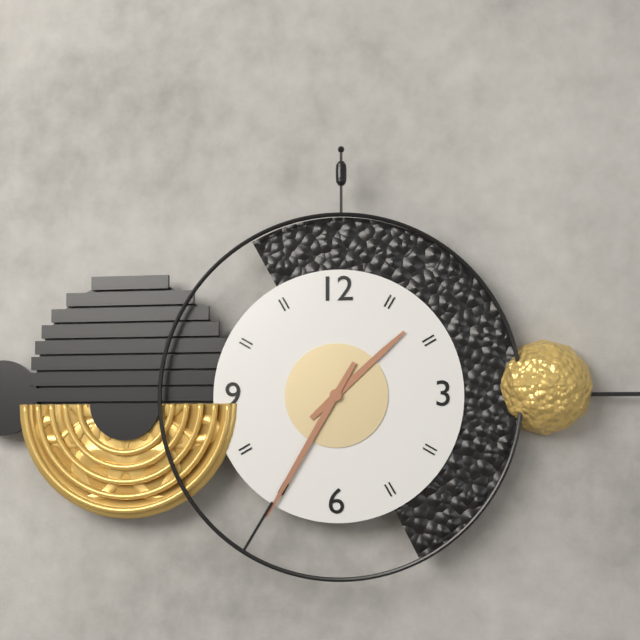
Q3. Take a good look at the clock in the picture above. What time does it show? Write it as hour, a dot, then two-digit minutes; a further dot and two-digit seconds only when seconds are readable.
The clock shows 1.35
